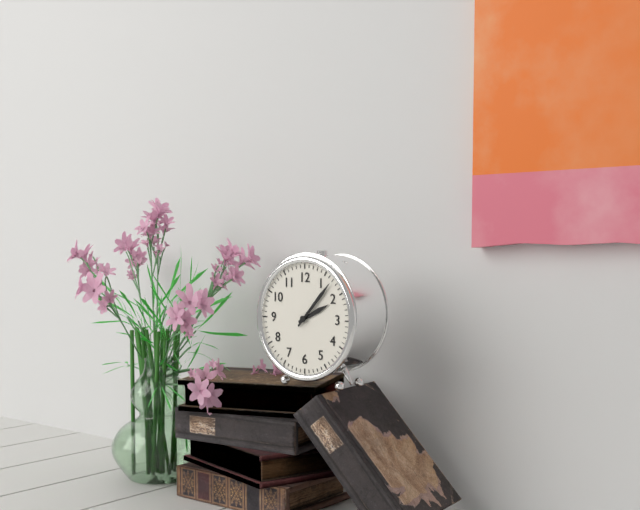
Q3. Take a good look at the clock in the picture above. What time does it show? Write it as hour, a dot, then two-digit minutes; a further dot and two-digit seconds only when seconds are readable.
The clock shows 2.07
